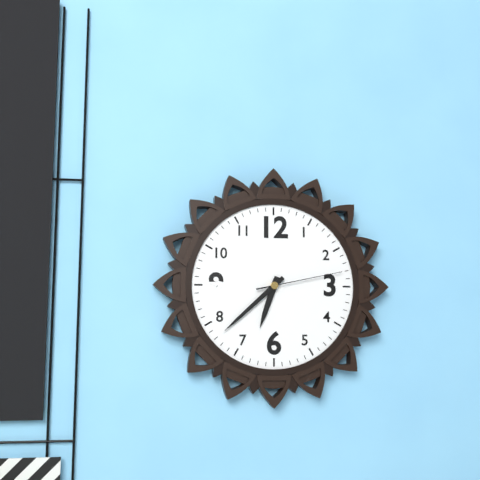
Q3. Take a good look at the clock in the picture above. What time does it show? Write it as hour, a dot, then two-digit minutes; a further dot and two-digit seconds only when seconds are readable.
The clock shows 6.38.13
